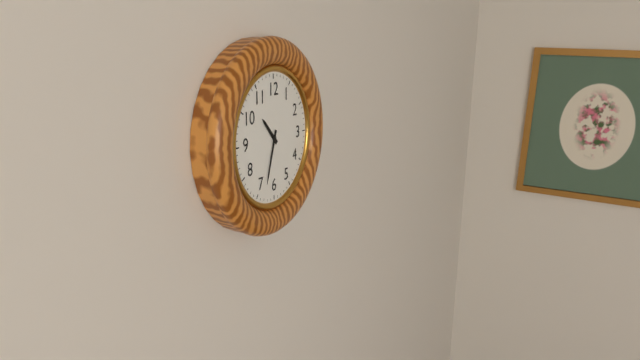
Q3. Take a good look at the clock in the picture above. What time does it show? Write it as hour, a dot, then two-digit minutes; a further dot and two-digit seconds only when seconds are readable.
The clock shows 10.33
